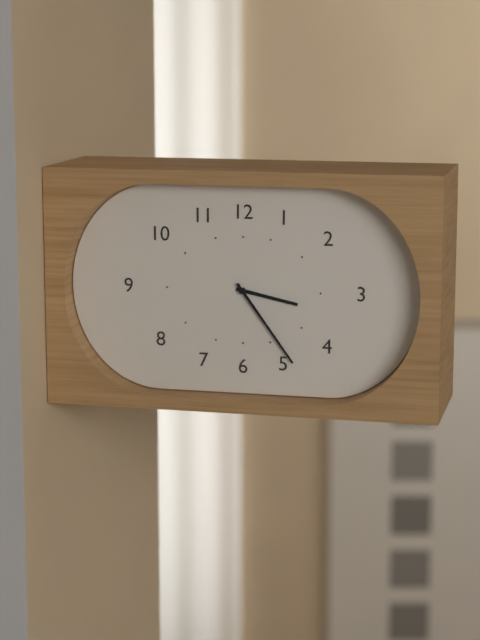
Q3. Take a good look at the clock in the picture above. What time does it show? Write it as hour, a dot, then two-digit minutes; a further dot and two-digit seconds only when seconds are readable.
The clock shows 3.24
